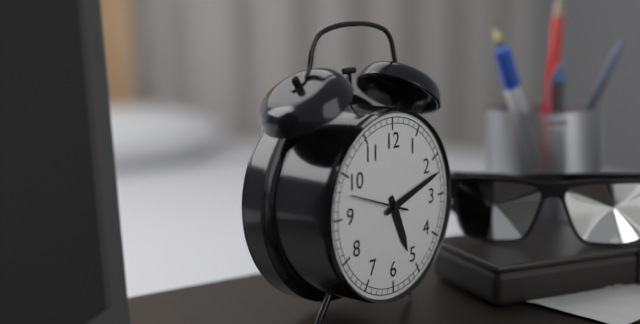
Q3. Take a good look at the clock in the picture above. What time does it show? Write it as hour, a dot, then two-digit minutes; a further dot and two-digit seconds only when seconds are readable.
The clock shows 5.12.48
